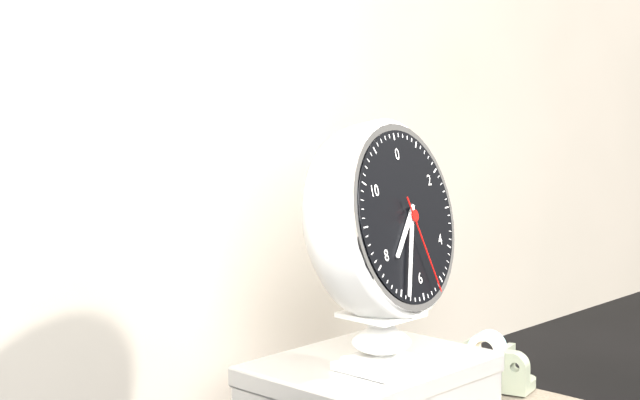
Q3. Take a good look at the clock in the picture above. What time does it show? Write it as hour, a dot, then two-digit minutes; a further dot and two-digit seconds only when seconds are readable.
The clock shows 7.34.27
